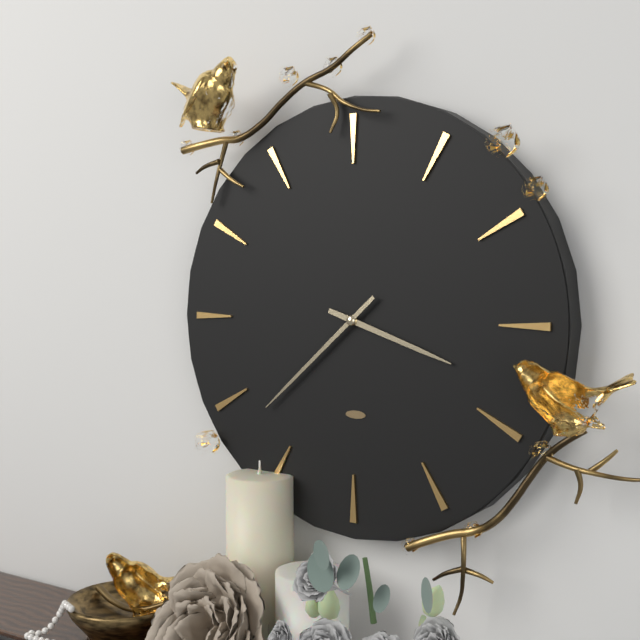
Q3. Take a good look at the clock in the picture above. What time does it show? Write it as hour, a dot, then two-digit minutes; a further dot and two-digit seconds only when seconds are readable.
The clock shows 3.38
